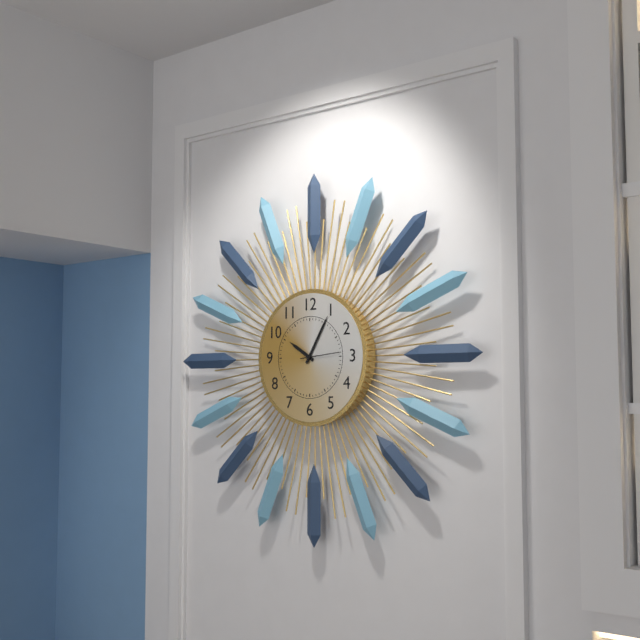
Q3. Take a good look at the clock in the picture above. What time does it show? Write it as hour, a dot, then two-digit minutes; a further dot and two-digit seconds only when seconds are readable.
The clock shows 10.05
